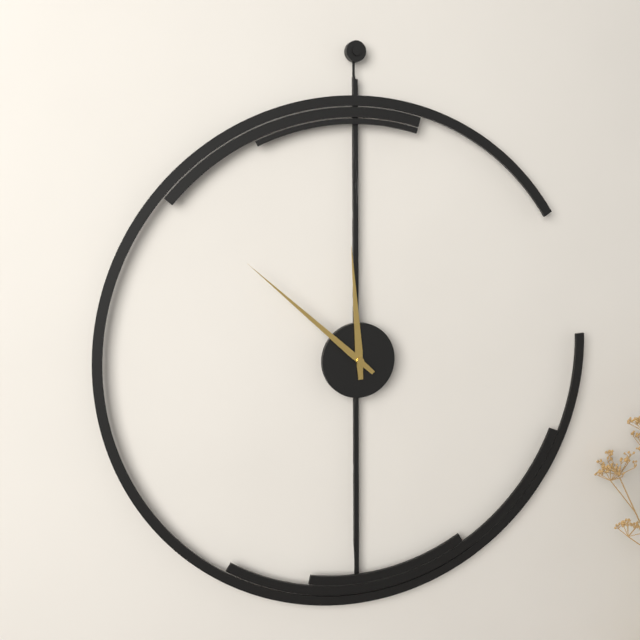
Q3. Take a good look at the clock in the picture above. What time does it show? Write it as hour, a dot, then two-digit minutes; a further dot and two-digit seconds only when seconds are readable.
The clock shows 11.52
